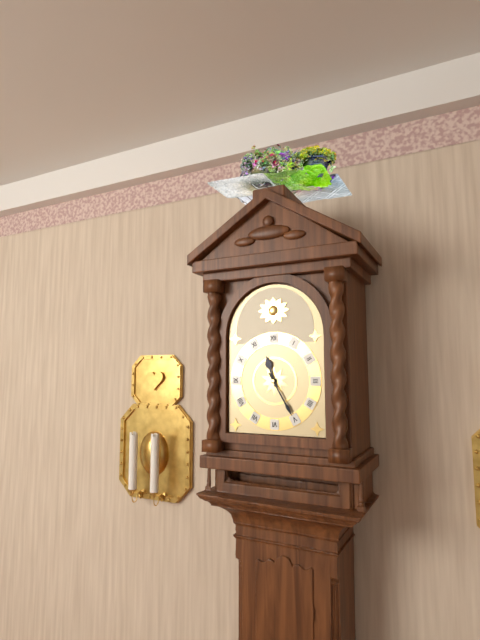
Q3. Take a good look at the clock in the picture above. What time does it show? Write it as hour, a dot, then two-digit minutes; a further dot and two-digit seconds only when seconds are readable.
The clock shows 11.25
